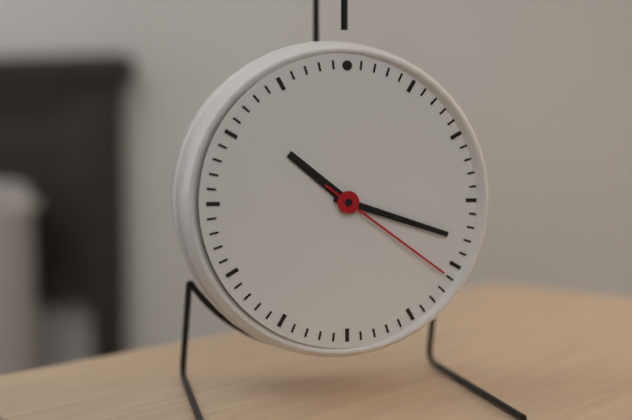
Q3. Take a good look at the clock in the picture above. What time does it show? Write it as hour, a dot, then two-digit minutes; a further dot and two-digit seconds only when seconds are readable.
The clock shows 10.18.21
